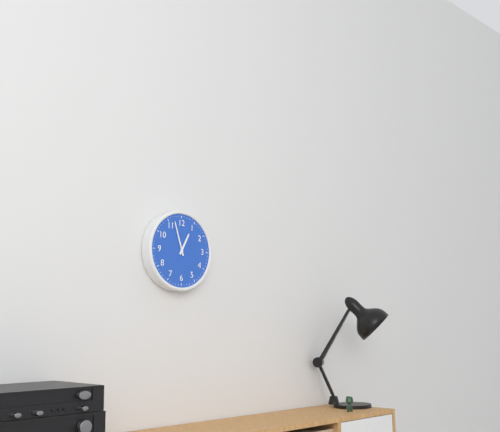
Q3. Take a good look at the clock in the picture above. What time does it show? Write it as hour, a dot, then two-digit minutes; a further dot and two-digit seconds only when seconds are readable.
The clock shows 12.57
